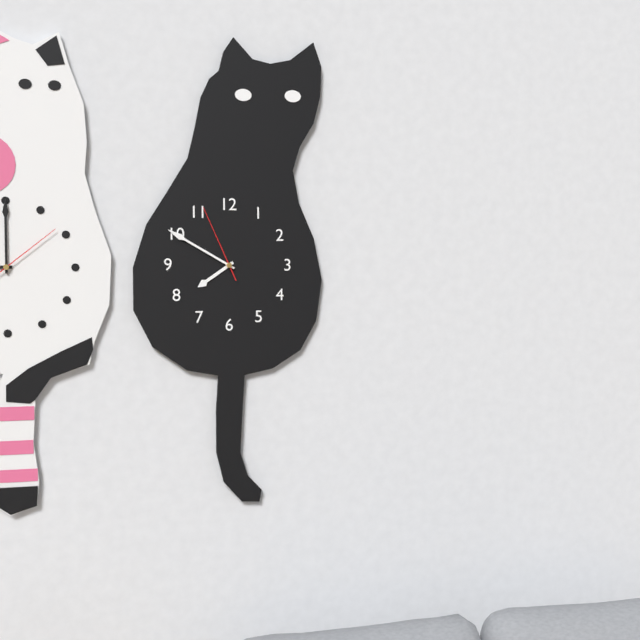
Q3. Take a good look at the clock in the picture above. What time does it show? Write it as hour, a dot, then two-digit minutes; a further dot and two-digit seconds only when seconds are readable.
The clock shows 7.50.56
